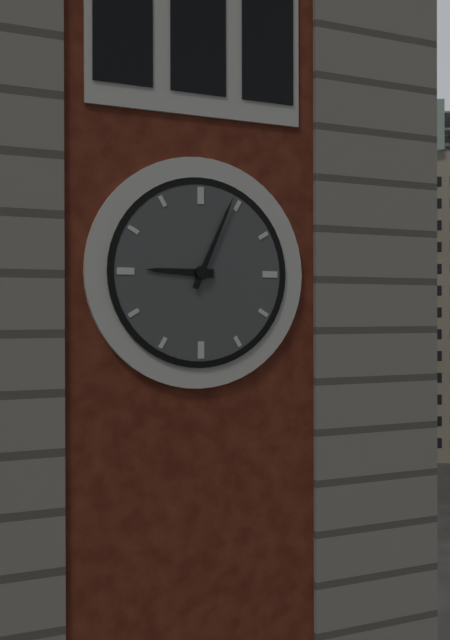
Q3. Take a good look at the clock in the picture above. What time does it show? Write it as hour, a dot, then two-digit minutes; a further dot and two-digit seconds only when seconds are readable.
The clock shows 9.04
